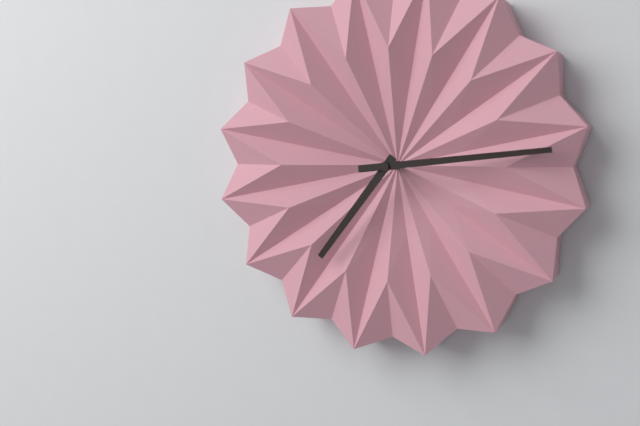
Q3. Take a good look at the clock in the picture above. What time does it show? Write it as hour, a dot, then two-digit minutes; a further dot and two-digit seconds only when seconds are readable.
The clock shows 7.14
